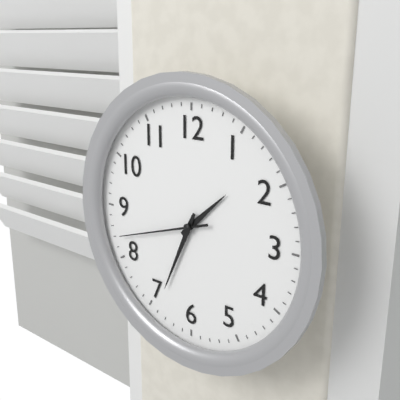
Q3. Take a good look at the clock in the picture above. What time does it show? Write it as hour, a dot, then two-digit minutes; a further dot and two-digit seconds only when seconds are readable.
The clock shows 1.34.42
